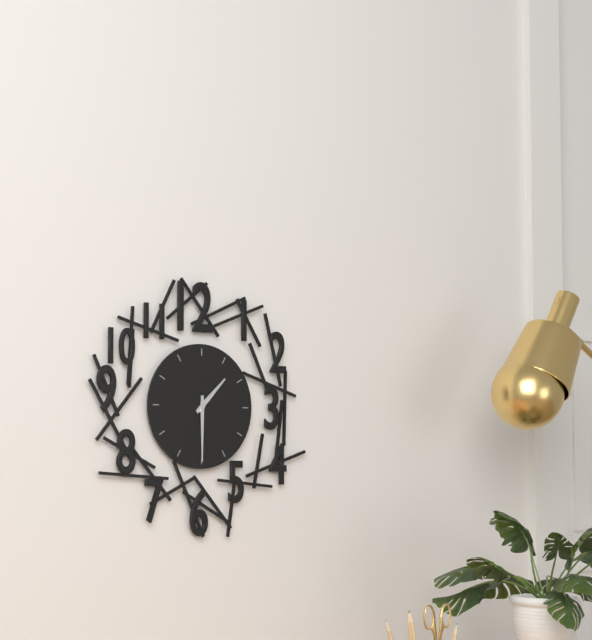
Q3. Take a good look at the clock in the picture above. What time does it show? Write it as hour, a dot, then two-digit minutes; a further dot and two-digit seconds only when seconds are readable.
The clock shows 1.30
